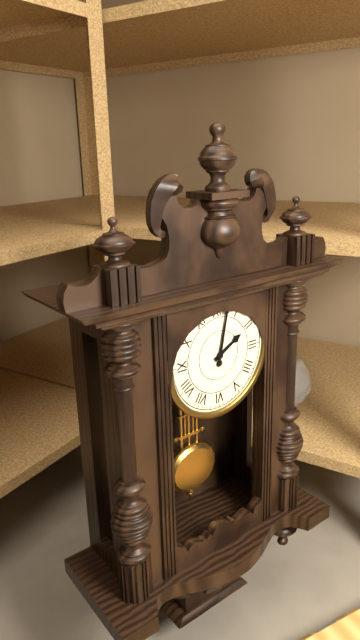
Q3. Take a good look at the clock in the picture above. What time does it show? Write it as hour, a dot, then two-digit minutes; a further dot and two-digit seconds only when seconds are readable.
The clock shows 2.02
